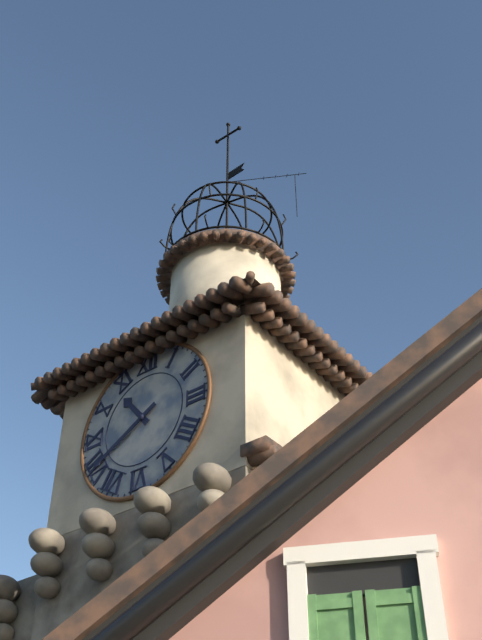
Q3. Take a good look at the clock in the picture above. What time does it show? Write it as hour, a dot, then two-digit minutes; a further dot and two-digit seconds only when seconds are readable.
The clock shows 10.40
